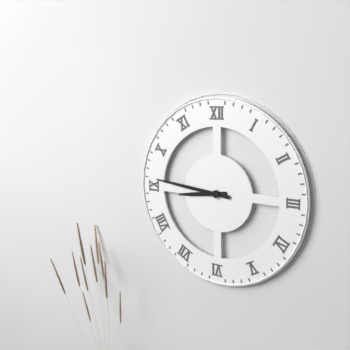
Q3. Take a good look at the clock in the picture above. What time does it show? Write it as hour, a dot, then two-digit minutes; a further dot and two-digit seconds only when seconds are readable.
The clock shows 8.46
